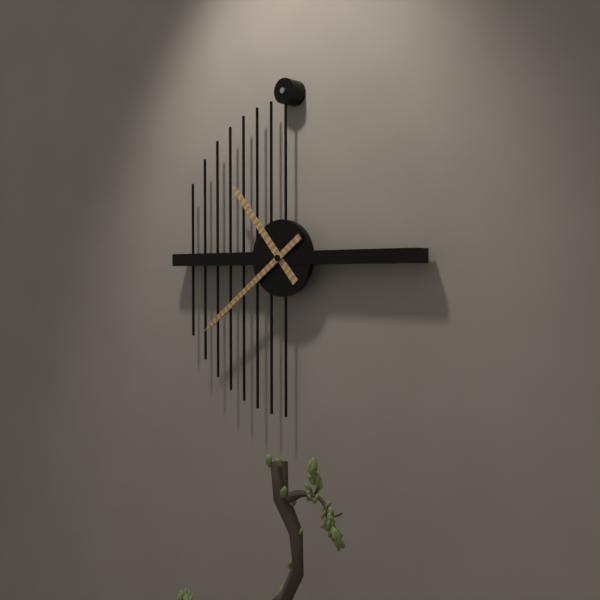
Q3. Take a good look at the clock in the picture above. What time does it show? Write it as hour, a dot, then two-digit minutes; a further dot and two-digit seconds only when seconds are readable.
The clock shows 10.39
